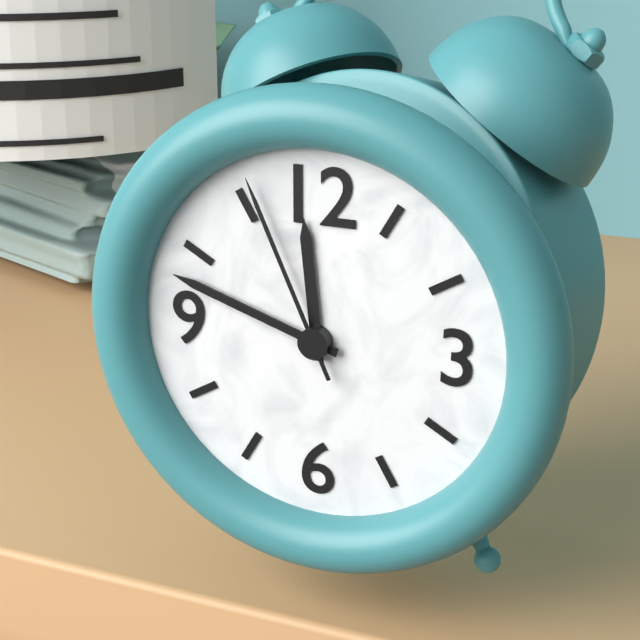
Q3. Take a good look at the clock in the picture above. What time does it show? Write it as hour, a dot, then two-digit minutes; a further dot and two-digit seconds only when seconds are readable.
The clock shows 11.48.56
